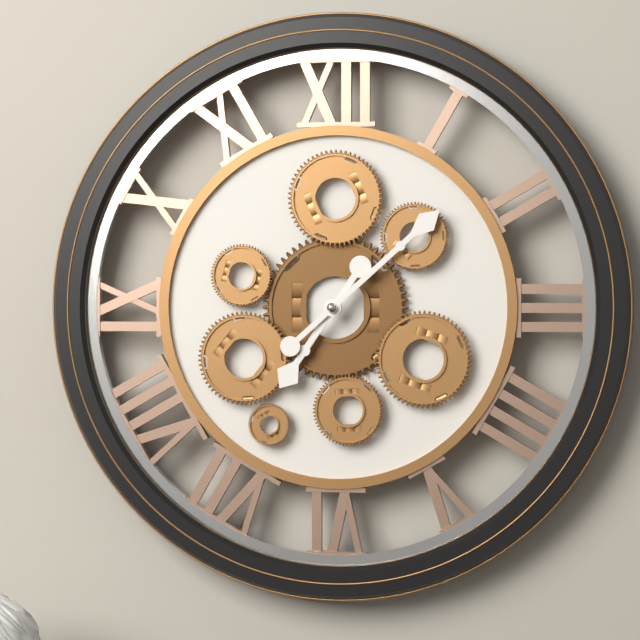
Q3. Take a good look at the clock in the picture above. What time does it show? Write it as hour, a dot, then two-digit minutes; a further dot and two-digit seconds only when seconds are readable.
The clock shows 7.08
